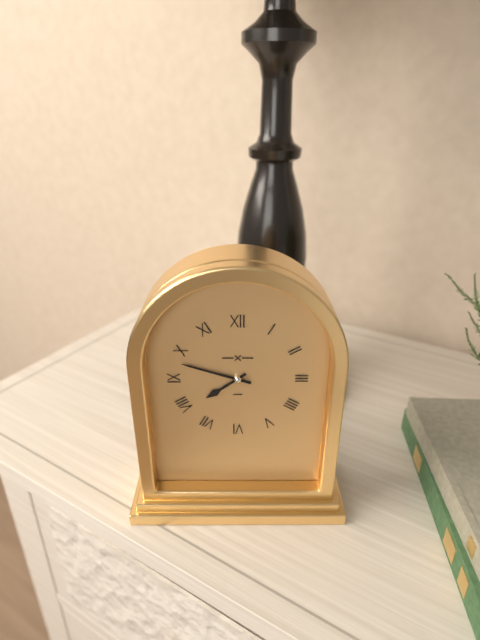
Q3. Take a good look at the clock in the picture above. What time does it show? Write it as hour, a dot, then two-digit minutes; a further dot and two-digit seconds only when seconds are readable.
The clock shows 7.48
